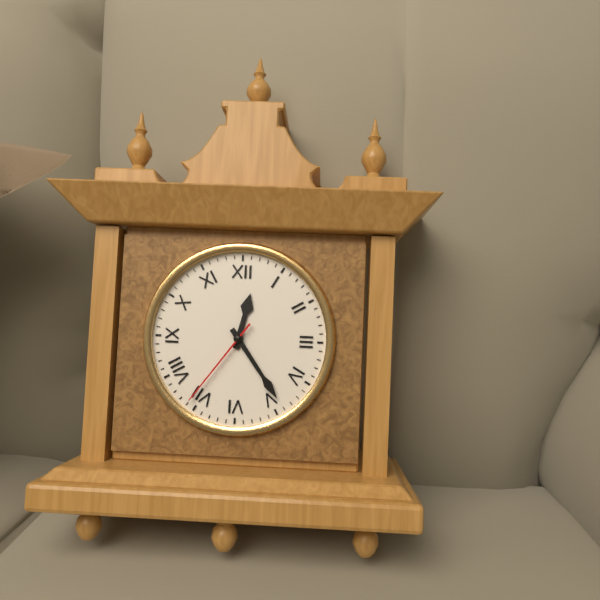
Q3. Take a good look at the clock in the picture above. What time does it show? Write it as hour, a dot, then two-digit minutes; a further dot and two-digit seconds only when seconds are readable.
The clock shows 12.24.36
